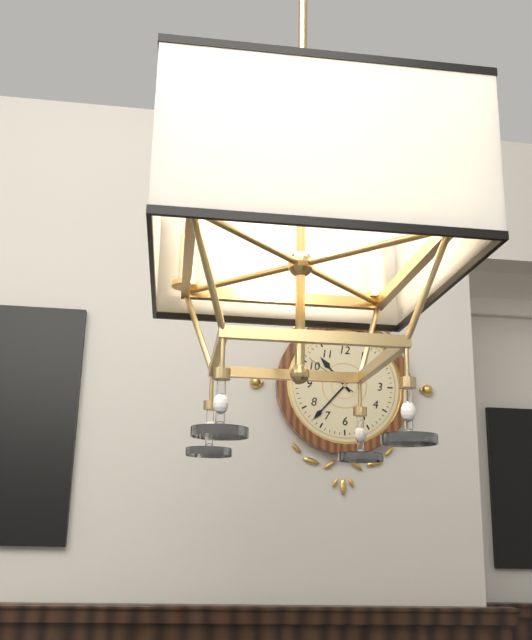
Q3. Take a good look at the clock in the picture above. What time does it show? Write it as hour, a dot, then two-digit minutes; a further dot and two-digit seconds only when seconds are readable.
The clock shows 10.37.51
